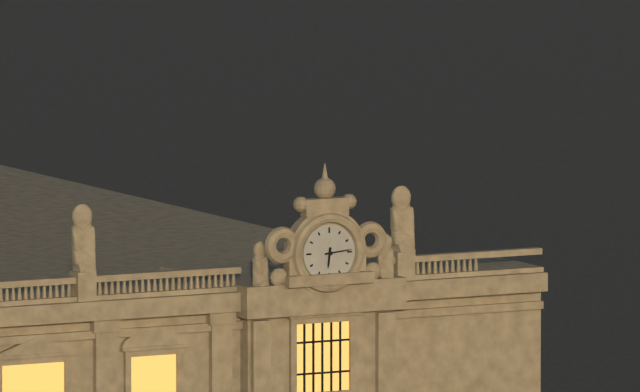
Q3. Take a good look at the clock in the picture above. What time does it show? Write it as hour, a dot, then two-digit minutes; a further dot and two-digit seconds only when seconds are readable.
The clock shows 6.14
